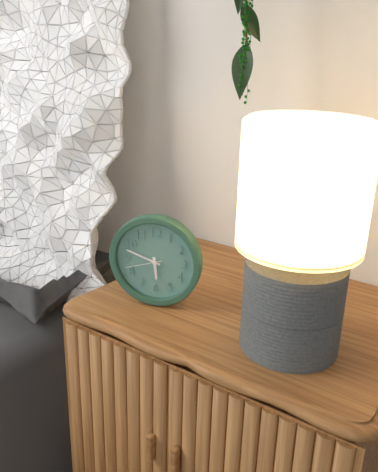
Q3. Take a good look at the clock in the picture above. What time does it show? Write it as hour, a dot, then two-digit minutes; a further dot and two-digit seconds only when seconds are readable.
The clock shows 5.48
